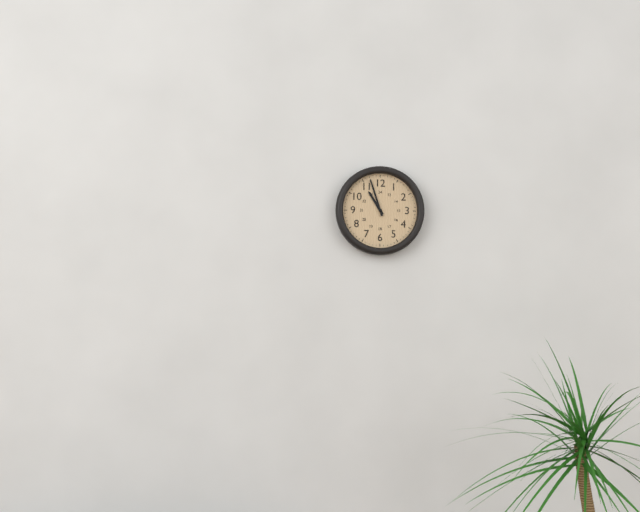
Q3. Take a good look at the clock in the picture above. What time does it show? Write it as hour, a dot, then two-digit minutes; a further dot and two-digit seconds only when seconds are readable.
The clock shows 10.57
